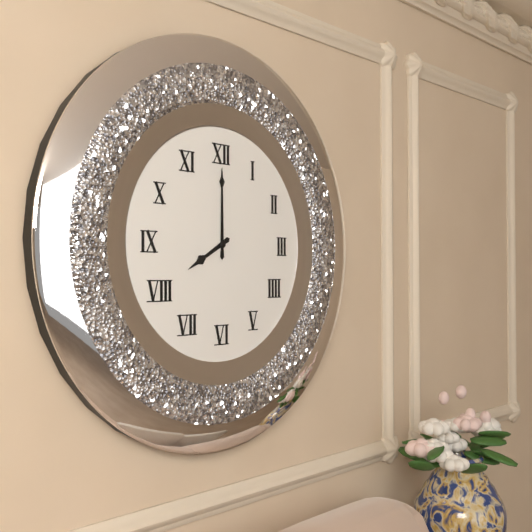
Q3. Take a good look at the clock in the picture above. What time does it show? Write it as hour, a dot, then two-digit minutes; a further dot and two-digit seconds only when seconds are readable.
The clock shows 8.00
